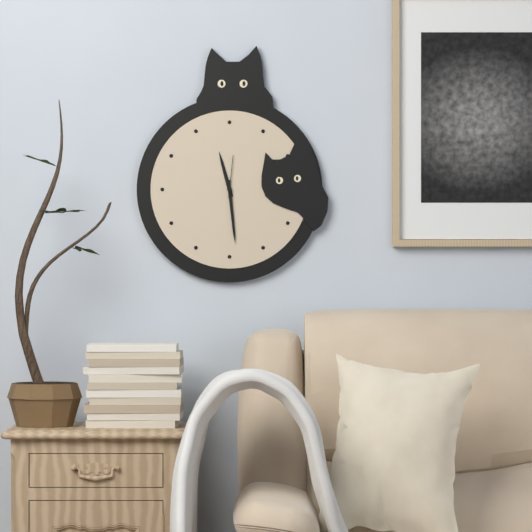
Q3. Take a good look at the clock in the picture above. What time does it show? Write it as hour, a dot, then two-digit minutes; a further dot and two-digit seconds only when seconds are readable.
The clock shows 11.29
